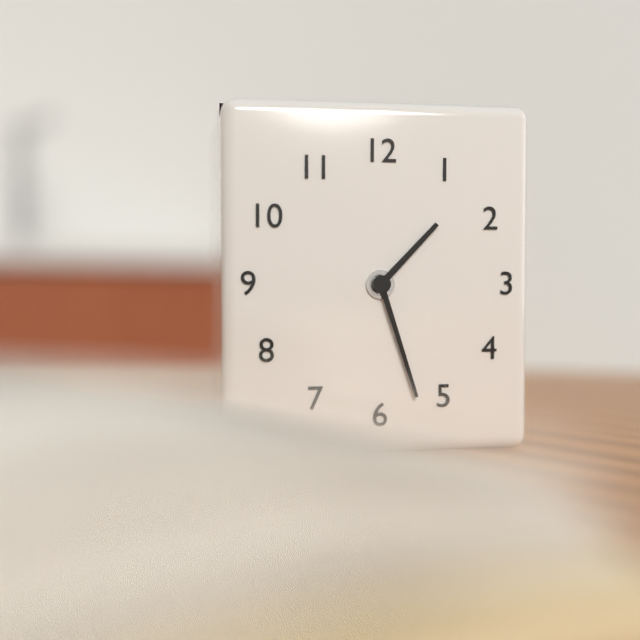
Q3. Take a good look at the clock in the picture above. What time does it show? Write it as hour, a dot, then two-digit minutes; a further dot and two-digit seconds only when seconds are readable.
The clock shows 1.27
